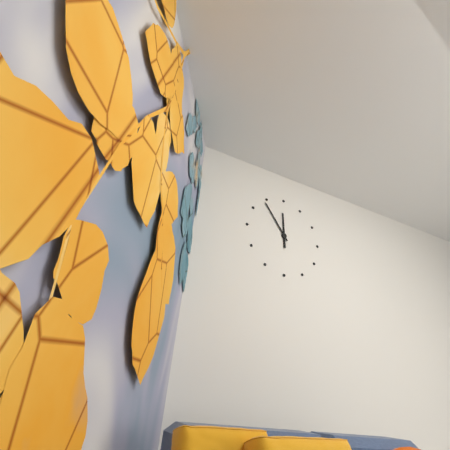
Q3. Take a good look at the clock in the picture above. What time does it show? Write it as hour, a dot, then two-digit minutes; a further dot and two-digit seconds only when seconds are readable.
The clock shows 11.54
